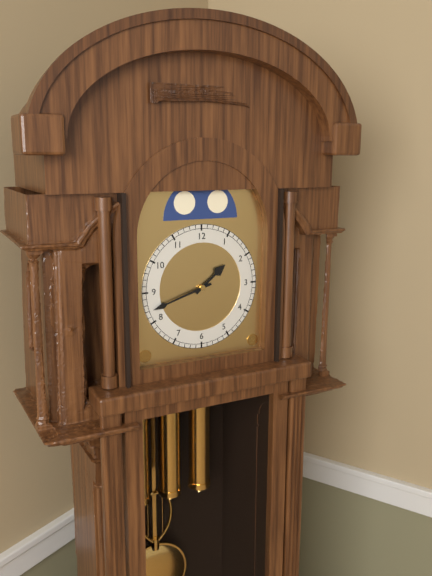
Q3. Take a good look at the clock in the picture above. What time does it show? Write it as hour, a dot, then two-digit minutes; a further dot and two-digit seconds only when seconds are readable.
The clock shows 1.42
